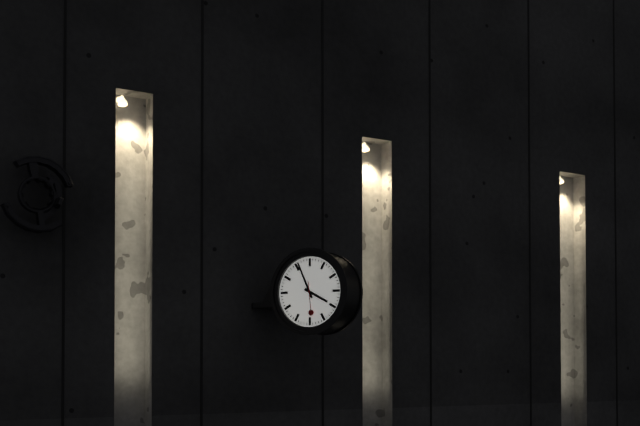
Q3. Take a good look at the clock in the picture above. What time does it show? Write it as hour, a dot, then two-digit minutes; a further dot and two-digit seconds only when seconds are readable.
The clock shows 3.56
